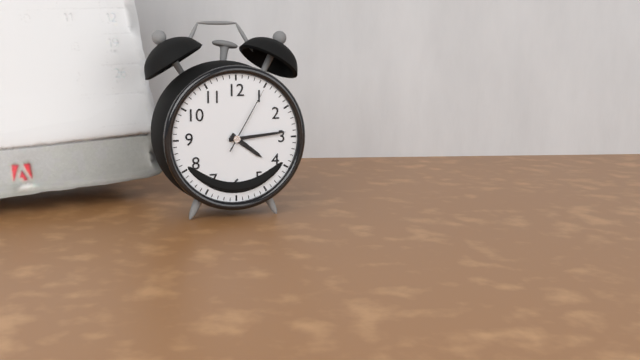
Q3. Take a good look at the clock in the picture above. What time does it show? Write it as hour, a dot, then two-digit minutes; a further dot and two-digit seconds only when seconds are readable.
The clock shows 4.14.05
